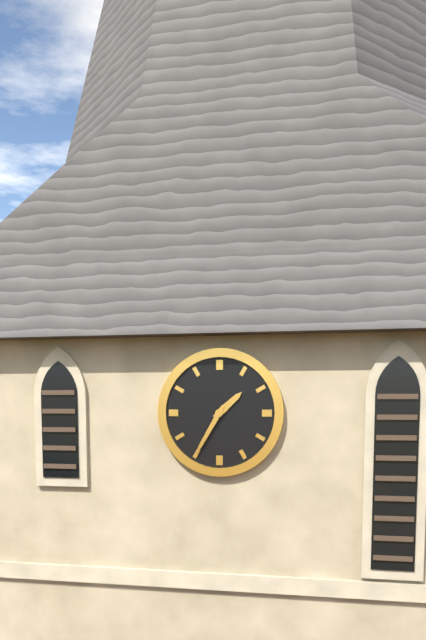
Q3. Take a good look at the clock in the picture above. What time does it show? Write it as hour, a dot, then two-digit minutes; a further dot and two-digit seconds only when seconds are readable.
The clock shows 1.35
